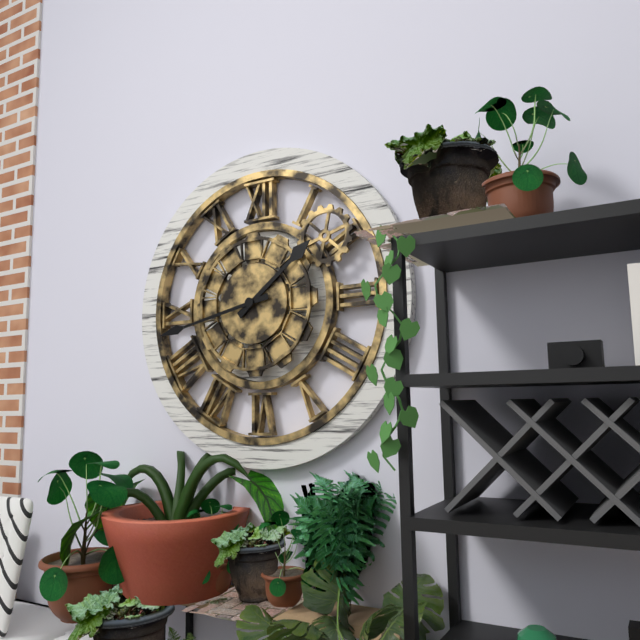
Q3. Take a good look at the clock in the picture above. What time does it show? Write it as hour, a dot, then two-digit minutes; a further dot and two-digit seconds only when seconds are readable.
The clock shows 1.43
